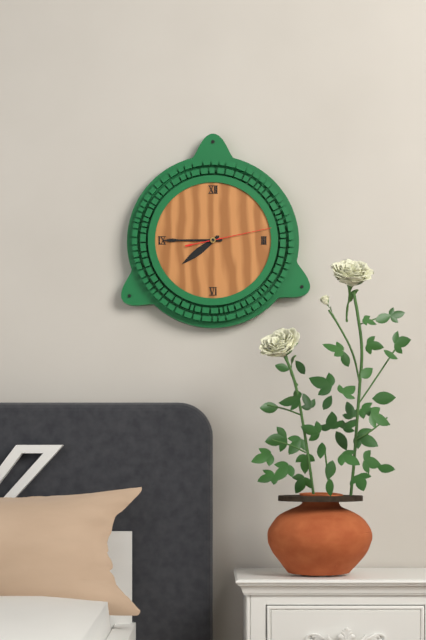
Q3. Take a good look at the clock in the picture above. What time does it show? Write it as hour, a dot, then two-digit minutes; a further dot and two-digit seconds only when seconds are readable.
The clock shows 7.45.13
